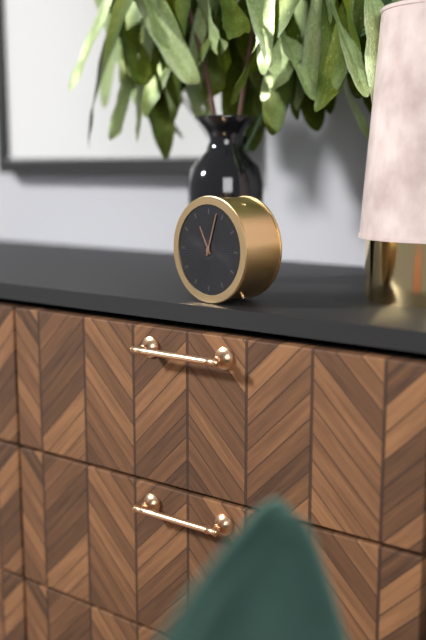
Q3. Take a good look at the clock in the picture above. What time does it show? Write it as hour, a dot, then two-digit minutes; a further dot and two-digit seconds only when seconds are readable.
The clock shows 11.03
